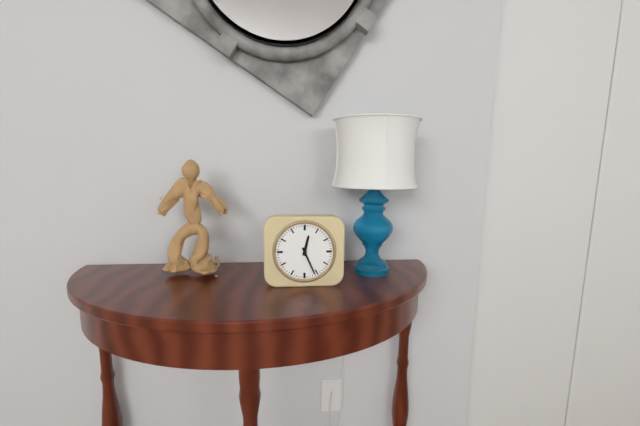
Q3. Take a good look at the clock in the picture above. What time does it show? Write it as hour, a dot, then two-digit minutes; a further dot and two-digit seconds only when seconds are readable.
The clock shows 12.26
